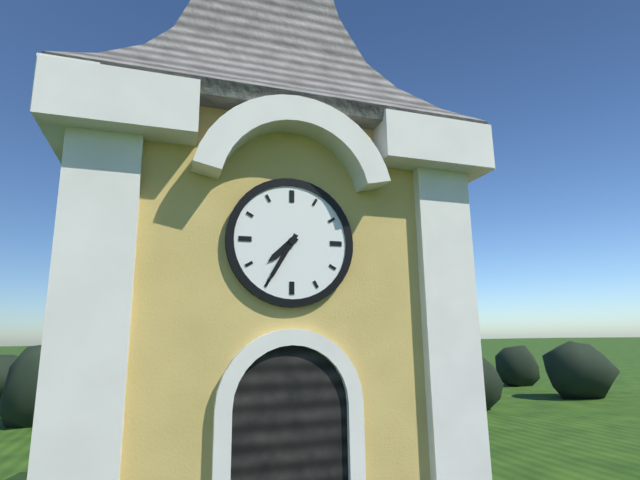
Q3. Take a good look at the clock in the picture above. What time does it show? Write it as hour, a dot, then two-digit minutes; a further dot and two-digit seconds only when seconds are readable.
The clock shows 7.35
